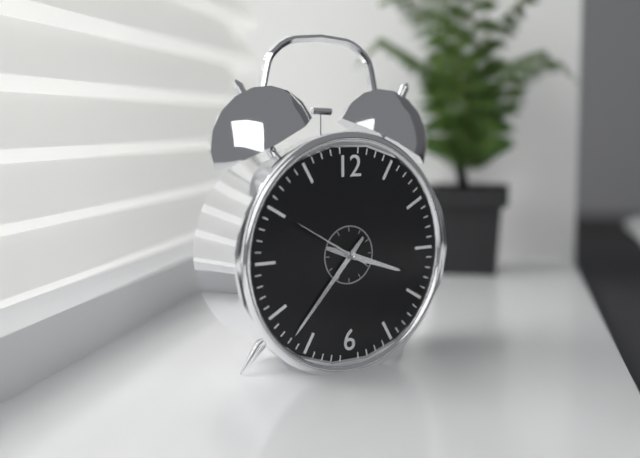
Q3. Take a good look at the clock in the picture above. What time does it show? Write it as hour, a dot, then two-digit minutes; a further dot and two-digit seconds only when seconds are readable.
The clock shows 3.37.50
